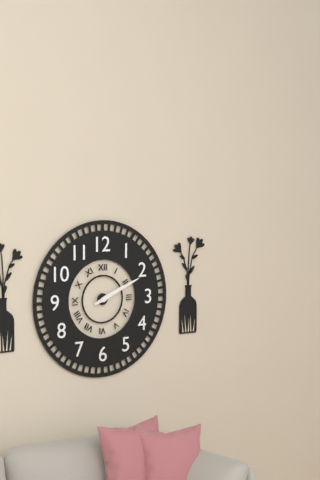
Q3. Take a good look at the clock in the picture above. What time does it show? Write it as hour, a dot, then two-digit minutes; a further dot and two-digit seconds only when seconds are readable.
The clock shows 2.11
